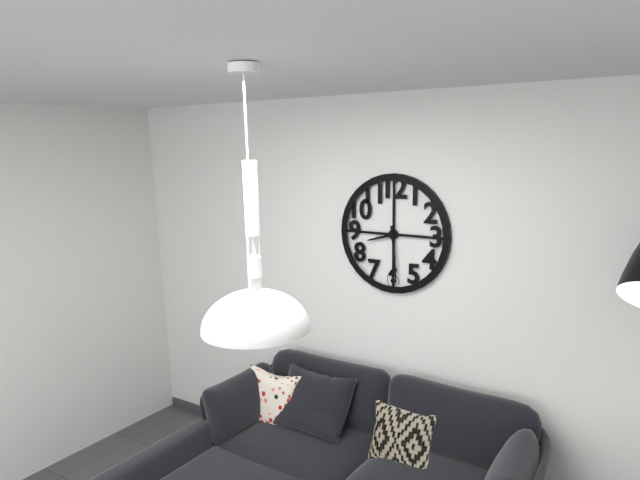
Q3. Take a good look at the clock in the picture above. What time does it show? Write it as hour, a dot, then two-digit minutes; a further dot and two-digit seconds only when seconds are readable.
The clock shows 8.29
